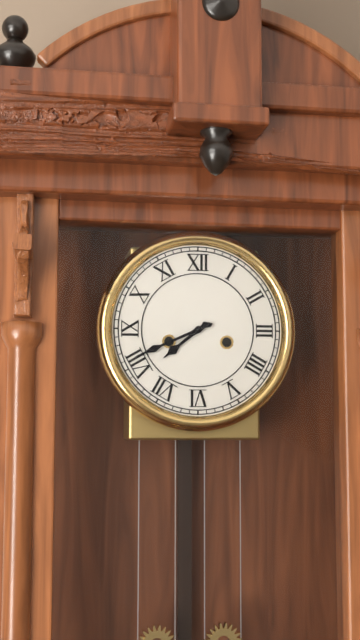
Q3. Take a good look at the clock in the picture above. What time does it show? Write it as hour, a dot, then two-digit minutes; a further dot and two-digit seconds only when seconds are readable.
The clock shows 7.41
